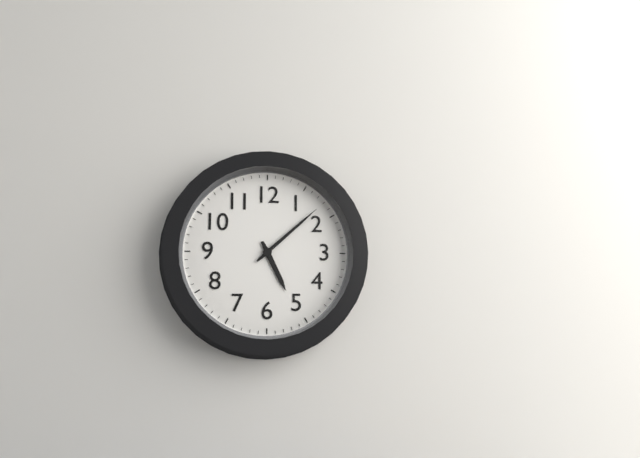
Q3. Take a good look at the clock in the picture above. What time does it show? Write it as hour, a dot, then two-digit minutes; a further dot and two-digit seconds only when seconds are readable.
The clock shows 5.08
